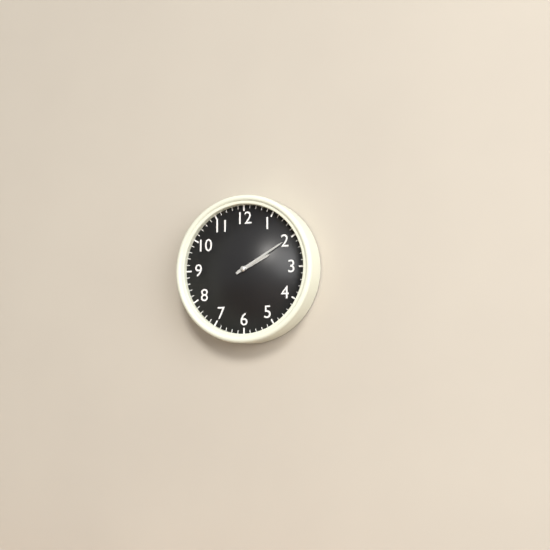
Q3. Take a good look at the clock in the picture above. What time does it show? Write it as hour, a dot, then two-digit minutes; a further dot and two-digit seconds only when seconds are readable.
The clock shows 2.10
